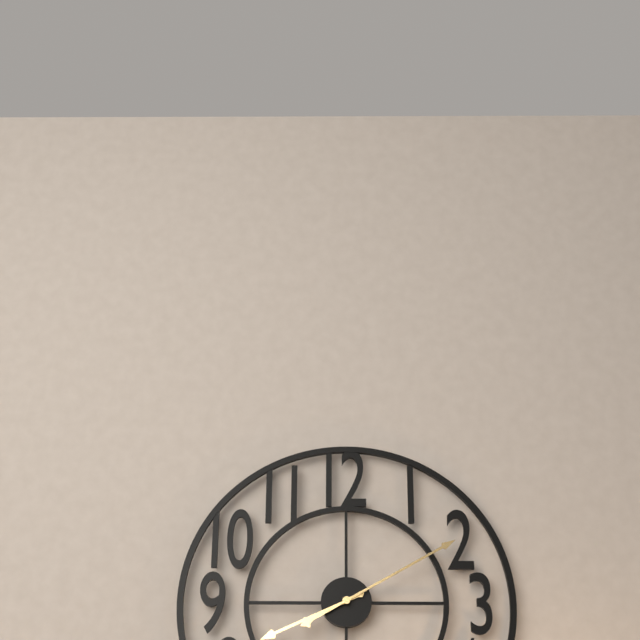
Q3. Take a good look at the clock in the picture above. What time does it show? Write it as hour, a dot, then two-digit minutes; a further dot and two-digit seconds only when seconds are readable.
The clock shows 8.10
